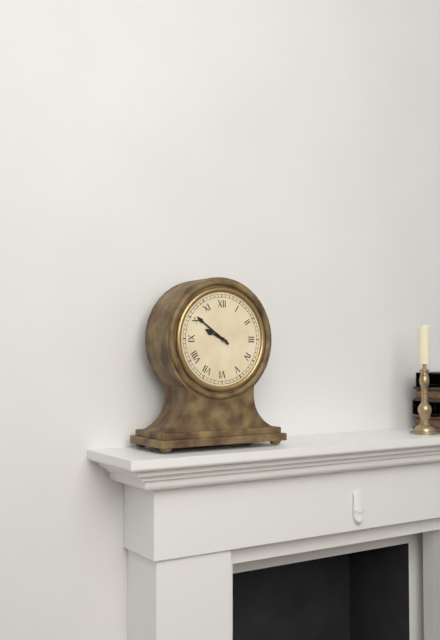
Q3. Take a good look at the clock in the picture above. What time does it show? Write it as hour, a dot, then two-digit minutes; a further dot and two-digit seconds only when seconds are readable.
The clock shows 9.51
